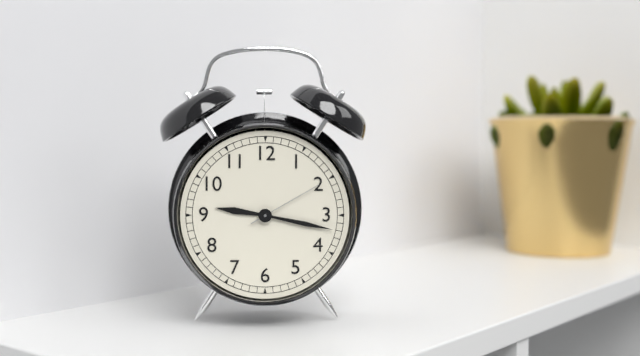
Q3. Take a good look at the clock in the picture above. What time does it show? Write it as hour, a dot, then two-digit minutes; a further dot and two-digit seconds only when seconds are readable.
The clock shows 9.17.10
